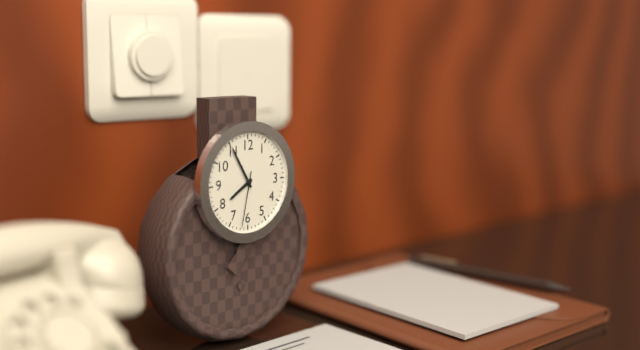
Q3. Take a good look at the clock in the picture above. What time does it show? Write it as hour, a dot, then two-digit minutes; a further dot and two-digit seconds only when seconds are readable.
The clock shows 7.55.32
